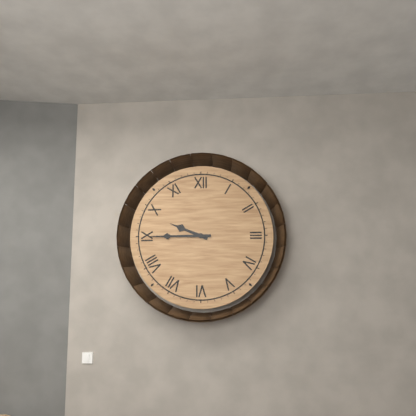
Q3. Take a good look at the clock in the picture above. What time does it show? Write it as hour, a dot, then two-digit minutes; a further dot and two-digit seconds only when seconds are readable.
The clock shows 9.45
